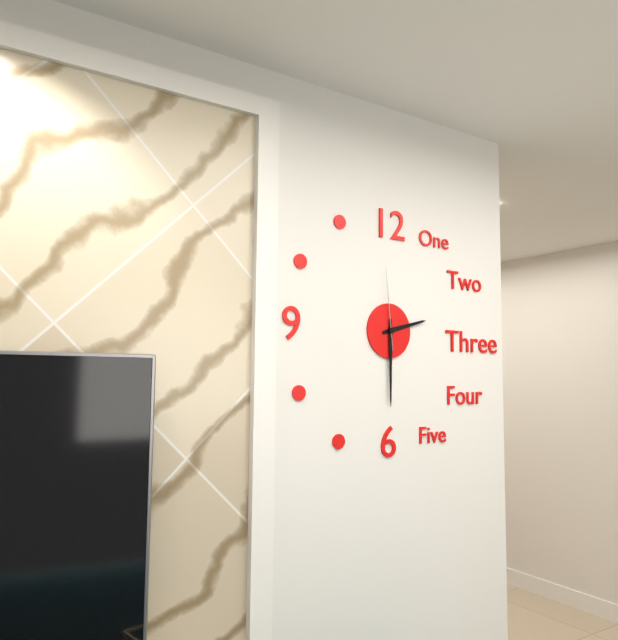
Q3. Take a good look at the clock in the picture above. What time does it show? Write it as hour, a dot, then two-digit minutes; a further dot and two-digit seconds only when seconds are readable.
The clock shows 2.30.59
